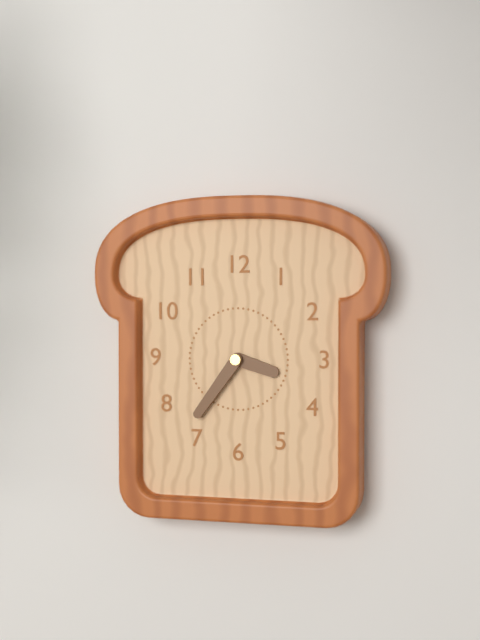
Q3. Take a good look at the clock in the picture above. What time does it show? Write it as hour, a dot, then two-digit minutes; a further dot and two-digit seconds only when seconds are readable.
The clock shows 3.36
